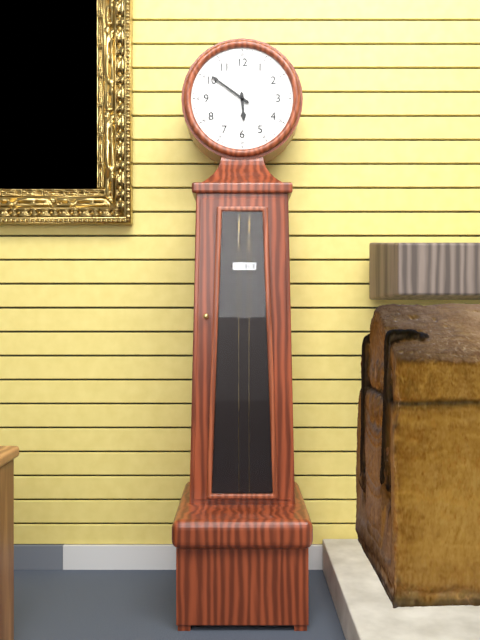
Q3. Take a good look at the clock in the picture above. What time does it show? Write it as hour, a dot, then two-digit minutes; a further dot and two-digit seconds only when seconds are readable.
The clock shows 5.51
